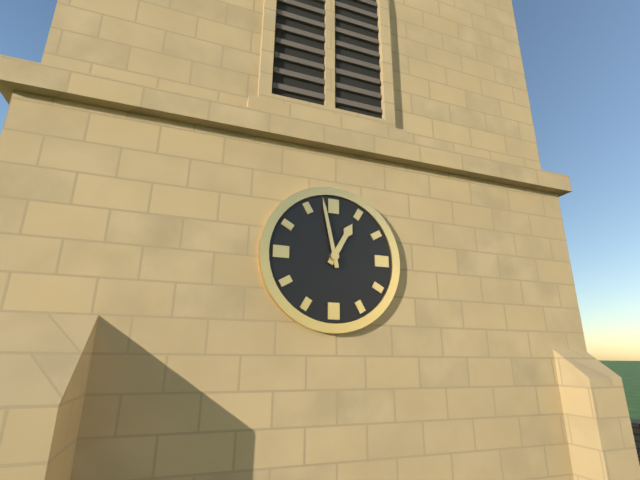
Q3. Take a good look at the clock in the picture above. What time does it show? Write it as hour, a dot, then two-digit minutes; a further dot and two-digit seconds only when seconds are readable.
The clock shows 12.58
